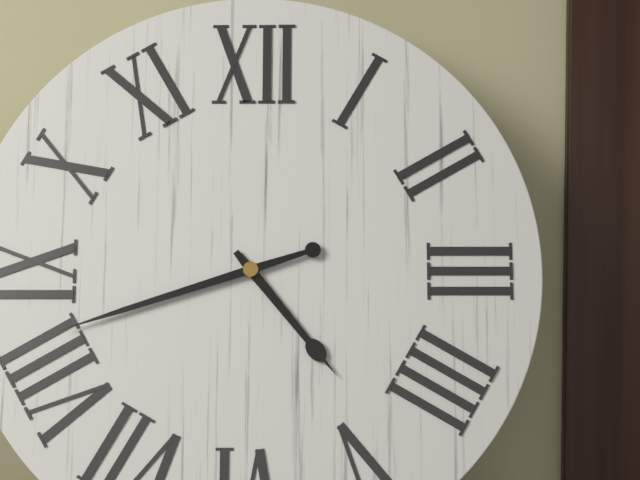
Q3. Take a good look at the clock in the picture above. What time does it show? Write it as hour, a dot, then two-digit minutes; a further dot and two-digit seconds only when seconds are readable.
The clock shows 4.42
